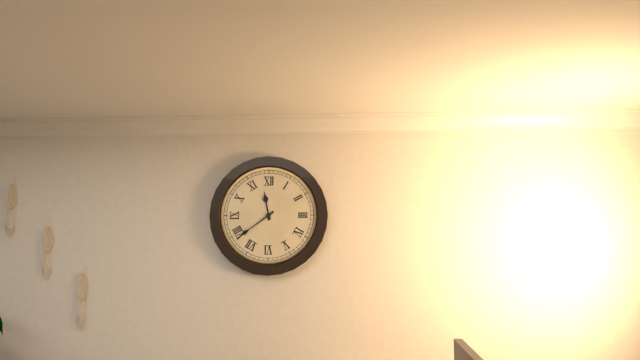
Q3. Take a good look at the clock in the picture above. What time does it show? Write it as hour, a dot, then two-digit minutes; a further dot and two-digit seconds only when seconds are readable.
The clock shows 11.39
